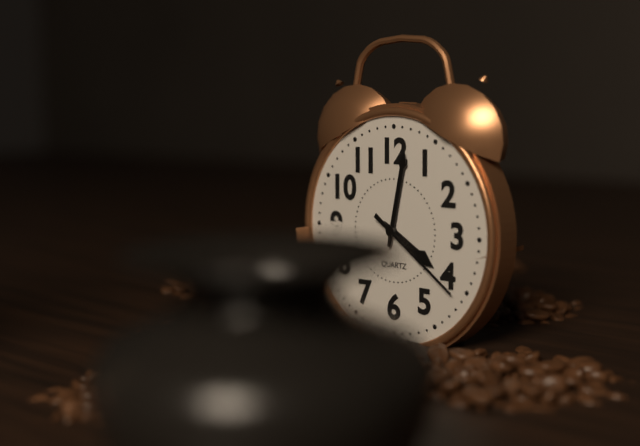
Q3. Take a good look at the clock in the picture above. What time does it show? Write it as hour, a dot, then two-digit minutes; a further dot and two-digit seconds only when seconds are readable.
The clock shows 4.02.21
